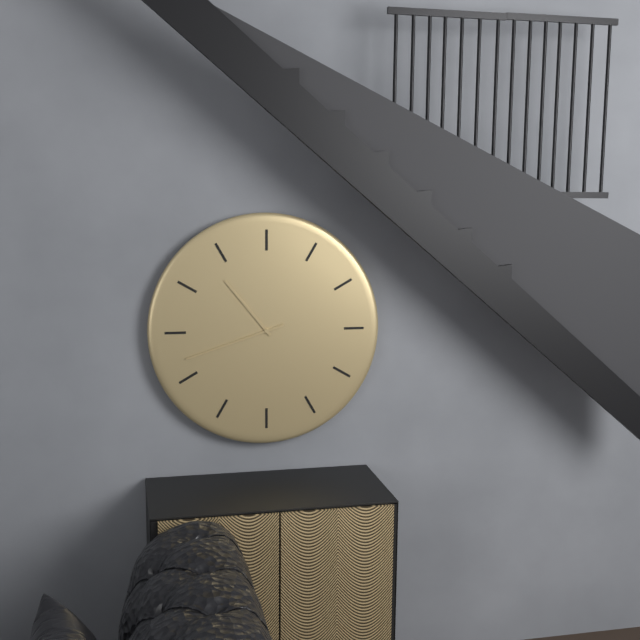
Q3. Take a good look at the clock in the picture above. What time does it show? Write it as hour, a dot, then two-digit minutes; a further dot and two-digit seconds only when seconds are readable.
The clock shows 10.42
